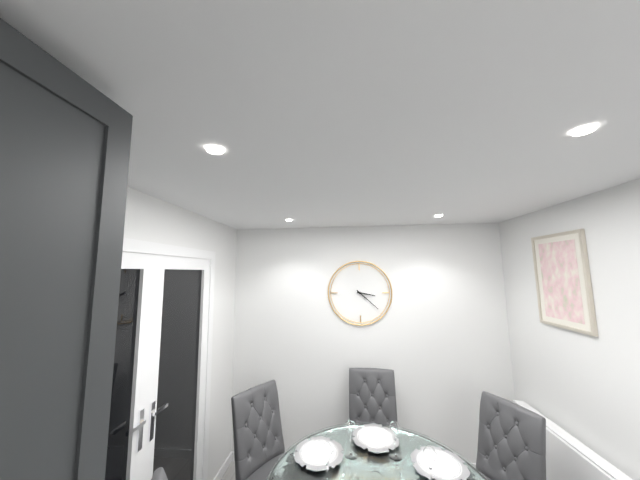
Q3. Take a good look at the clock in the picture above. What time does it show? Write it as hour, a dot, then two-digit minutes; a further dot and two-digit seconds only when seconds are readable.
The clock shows 3.22
